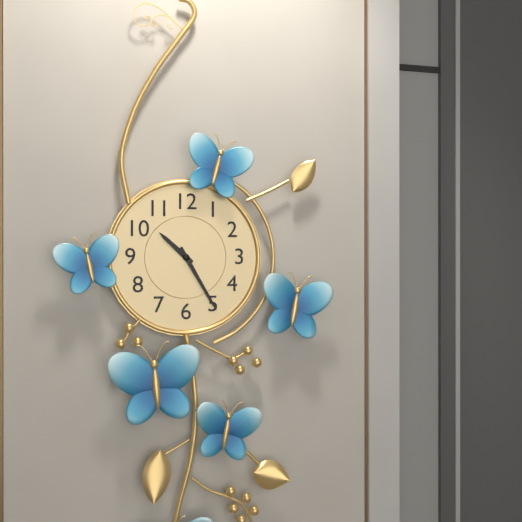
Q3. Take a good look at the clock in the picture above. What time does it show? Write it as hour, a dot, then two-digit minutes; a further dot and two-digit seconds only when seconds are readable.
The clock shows 10.25
